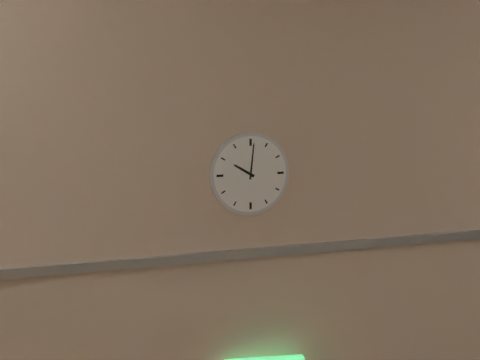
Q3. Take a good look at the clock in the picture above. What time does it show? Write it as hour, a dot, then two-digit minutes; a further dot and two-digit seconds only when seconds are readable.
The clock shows 10.01
